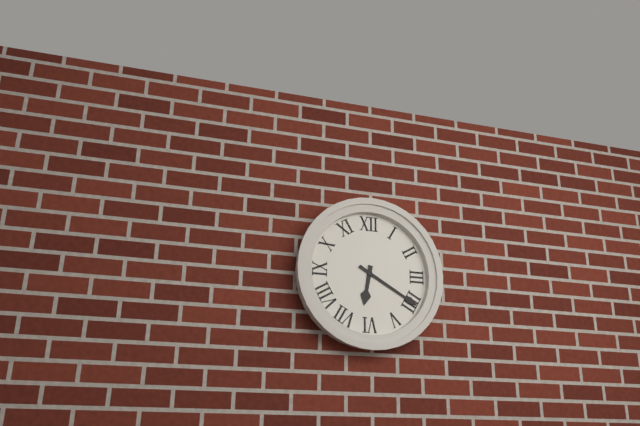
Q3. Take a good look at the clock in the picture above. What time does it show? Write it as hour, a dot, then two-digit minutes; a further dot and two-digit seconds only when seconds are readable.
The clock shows 6.20
